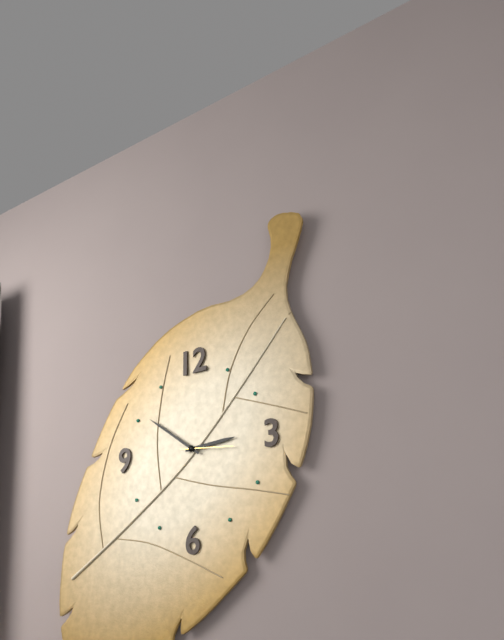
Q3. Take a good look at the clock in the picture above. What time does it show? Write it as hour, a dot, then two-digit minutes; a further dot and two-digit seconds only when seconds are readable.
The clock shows 2.51.16
